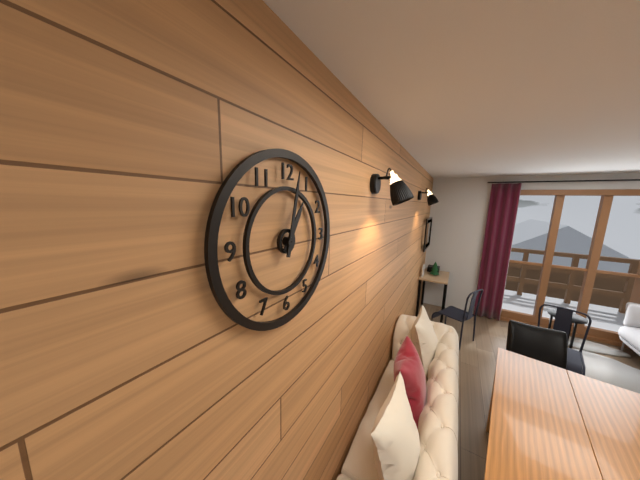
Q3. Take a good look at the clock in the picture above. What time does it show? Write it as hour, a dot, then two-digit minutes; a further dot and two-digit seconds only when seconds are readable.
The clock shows 1.02
